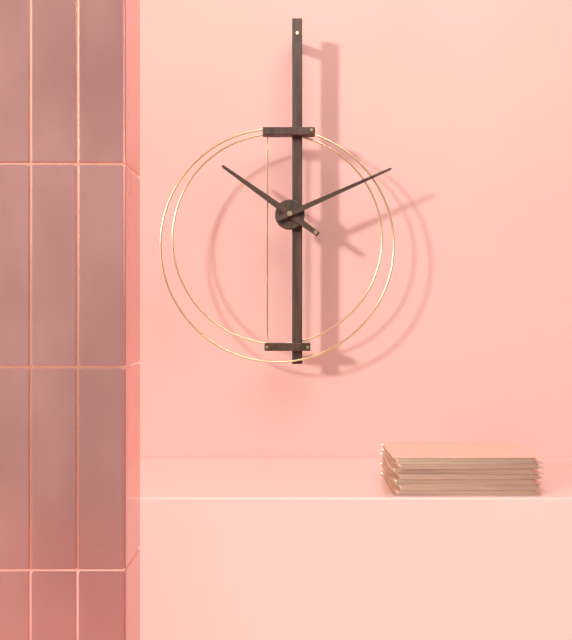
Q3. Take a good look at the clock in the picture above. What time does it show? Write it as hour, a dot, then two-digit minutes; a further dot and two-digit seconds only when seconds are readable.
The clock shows 10.11
